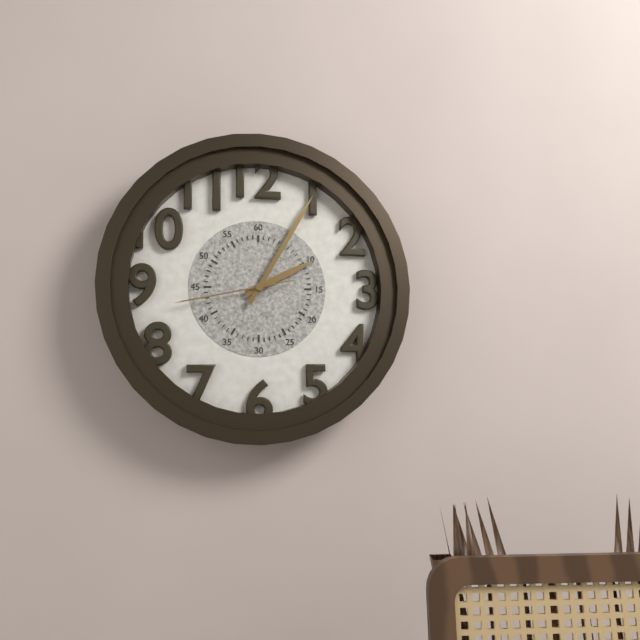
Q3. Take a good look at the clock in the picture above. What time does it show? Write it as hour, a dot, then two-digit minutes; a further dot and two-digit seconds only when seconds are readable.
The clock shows 2.05.43
